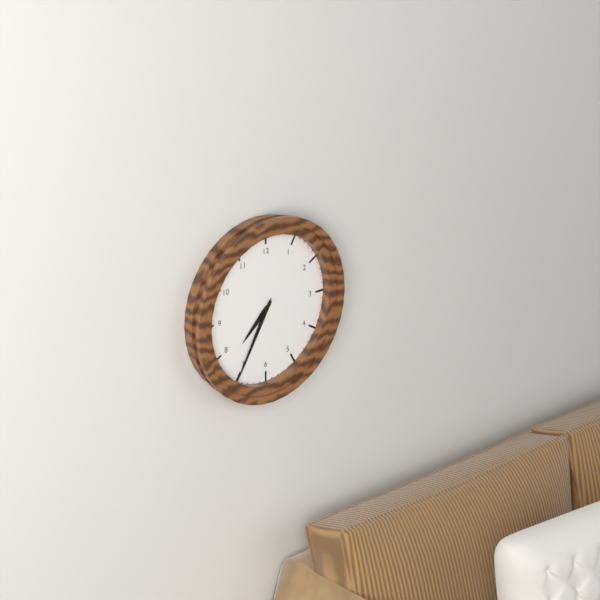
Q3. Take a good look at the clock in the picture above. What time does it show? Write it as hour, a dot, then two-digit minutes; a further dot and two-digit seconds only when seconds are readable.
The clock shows 7.35
